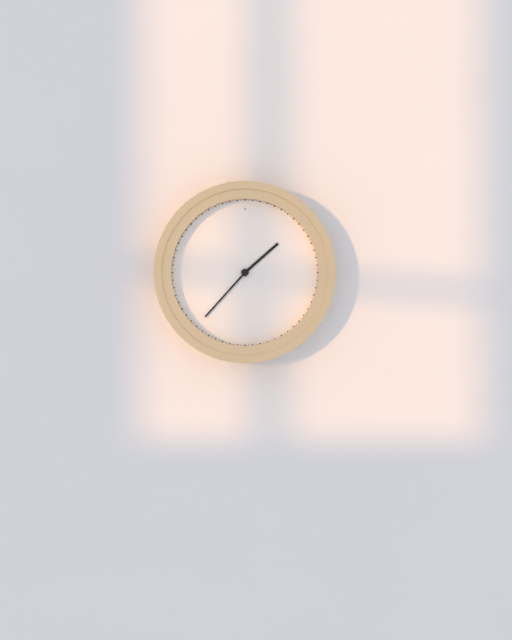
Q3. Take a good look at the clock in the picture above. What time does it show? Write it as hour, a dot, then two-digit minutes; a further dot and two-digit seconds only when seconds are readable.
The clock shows 1.37
